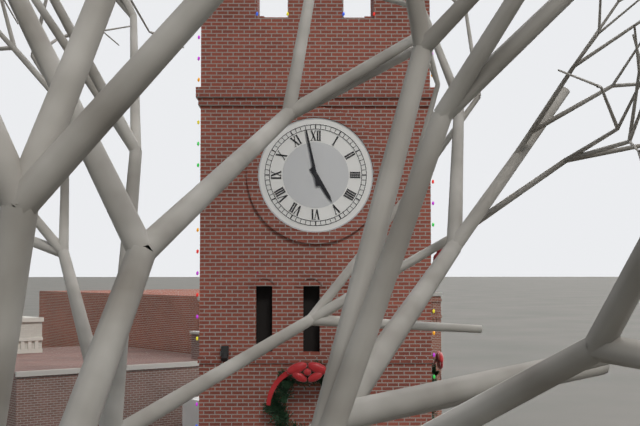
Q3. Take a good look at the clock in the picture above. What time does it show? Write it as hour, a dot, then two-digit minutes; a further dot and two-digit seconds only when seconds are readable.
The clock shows 4.58
